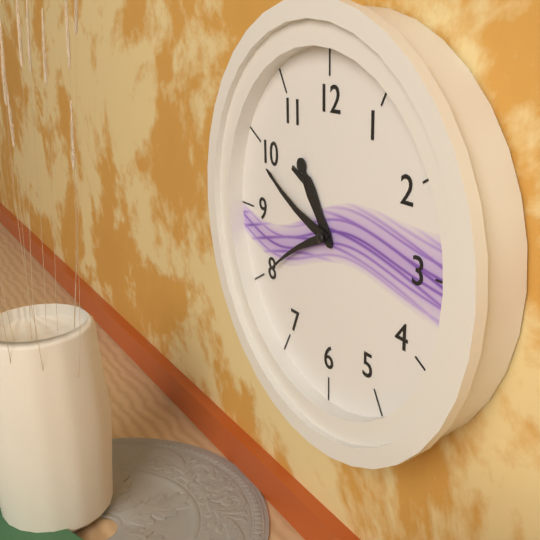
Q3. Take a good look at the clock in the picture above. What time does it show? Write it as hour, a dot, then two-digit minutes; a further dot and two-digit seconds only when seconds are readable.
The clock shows 10.49.40
